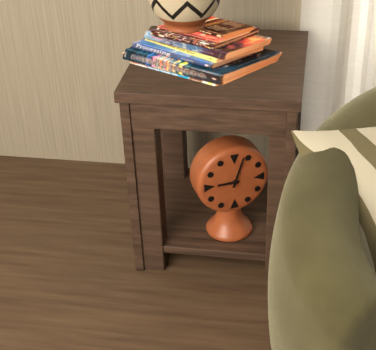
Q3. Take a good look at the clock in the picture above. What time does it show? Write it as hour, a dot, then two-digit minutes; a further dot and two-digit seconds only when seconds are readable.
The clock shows 9.03
